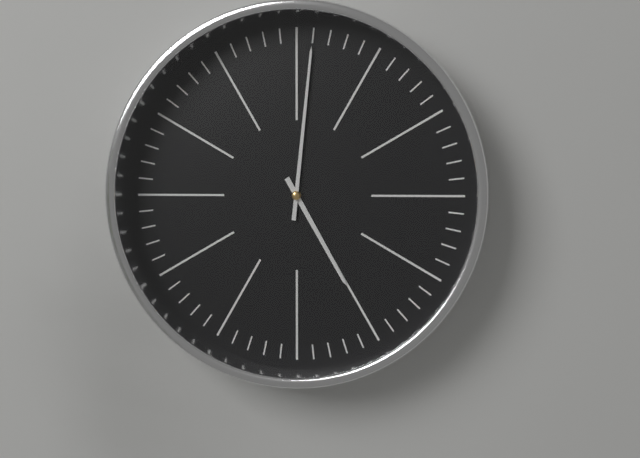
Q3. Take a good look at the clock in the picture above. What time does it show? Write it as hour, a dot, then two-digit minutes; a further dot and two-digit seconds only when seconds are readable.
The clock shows 5.01
